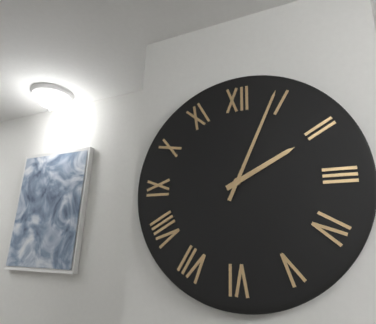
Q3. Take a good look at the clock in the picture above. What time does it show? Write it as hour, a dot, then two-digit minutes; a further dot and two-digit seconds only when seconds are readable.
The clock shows 2.04
